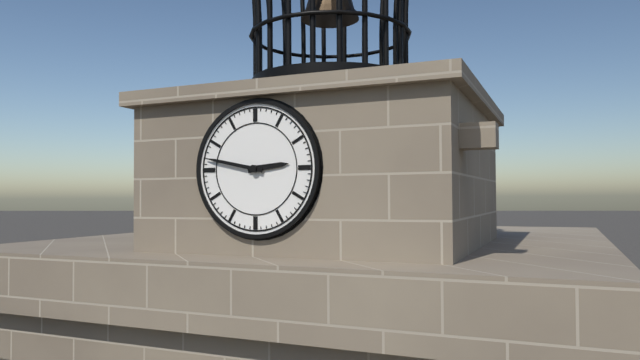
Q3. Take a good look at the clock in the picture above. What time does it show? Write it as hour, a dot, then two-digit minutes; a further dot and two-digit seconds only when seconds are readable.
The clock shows 2.47
